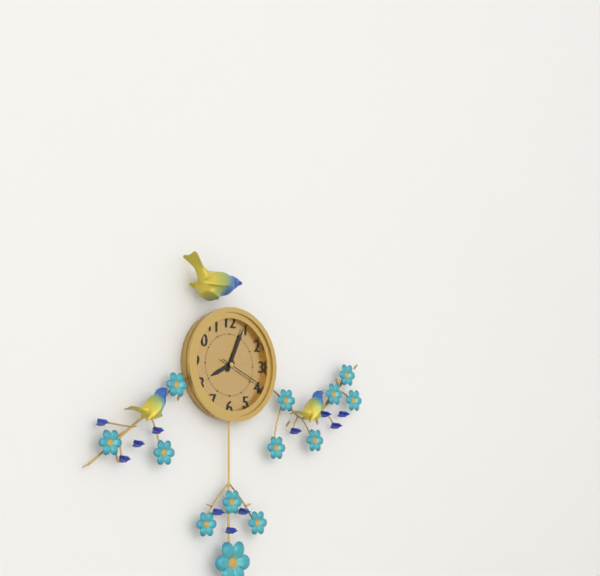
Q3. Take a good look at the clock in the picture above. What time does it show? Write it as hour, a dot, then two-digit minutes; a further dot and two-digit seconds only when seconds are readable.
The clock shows 8.04
